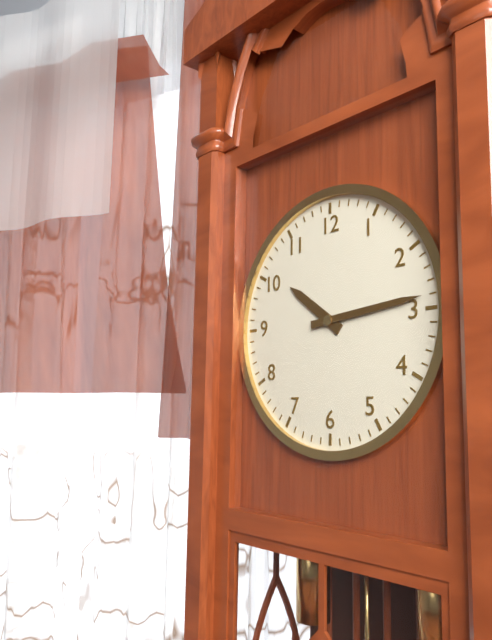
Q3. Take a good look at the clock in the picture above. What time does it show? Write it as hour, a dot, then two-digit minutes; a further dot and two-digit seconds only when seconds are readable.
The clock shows 10.14
